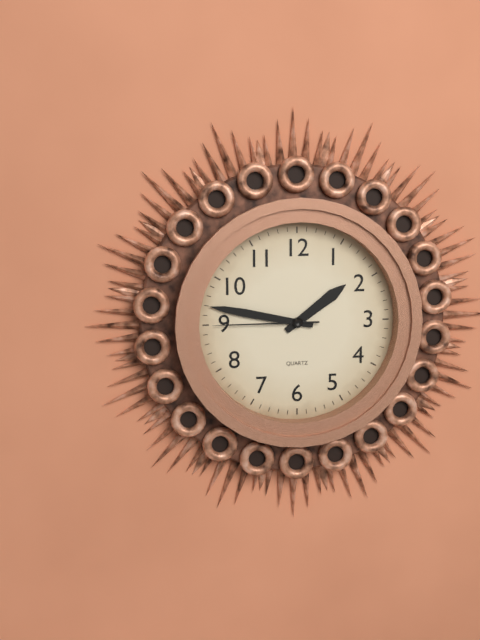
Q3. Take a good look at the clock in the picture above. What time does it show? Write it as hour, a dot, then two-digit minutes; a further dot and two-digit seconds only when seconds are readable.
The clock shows 1.47.45
